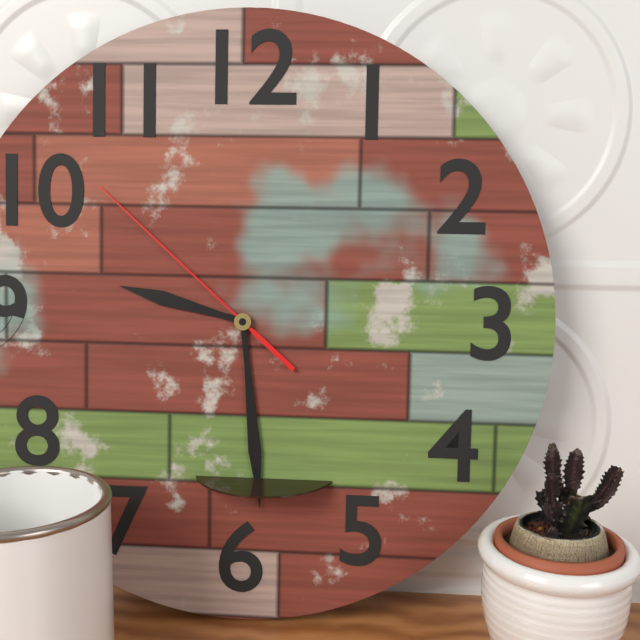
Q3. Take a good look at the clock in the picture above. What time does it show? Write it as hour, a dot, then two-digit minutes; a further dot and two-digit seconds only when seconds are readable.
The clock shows 9.29.52
